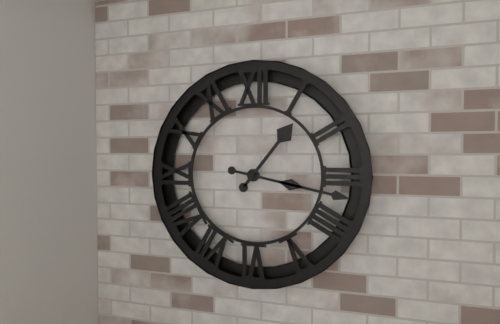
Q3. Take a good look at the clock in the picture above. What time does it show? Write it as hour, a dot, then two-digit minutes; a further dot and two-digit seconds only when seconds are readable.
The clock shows 1.17
